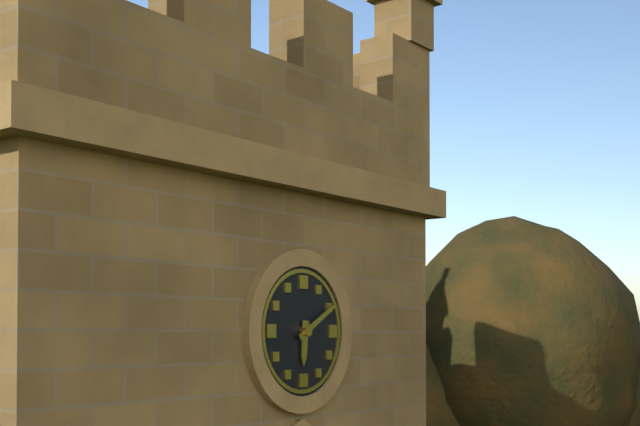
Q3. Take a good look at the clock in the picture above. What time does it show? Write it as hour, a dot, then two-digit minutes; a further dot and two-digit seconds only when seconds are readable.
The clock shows 6.10
